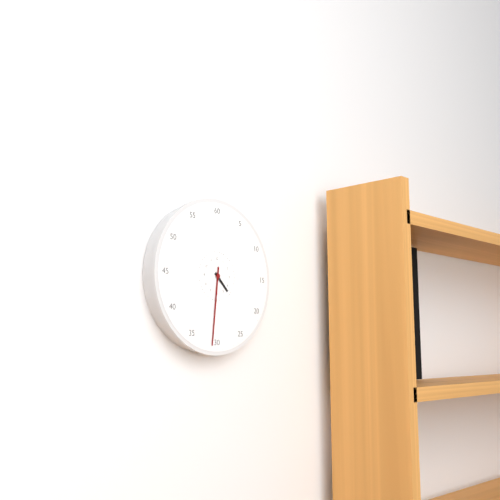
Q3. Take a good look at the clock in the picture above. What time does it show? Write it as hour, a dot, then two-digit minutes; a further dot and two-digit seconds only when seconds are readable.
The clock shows 4.31
